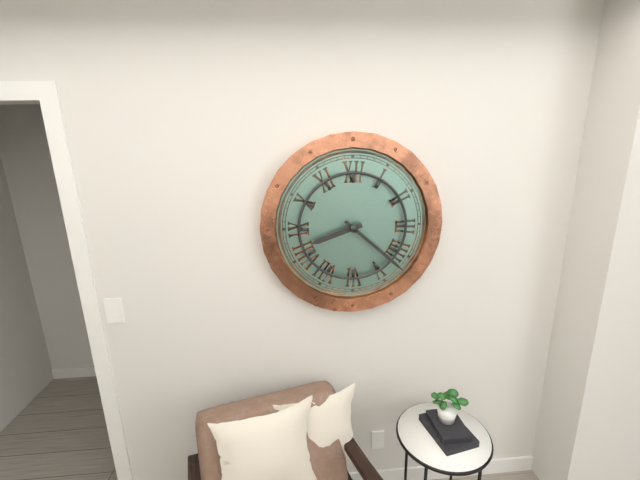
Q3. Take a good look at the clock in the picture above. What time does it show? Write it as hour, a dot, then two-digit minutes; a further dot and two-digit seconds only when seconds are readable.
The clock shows 8.22
